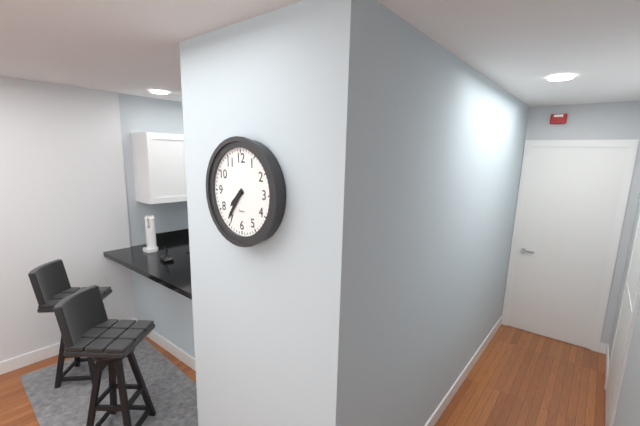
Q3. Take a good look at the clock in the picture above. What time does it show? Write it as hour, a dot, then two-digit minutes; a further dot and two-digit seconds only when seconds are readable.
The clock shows 7.36
